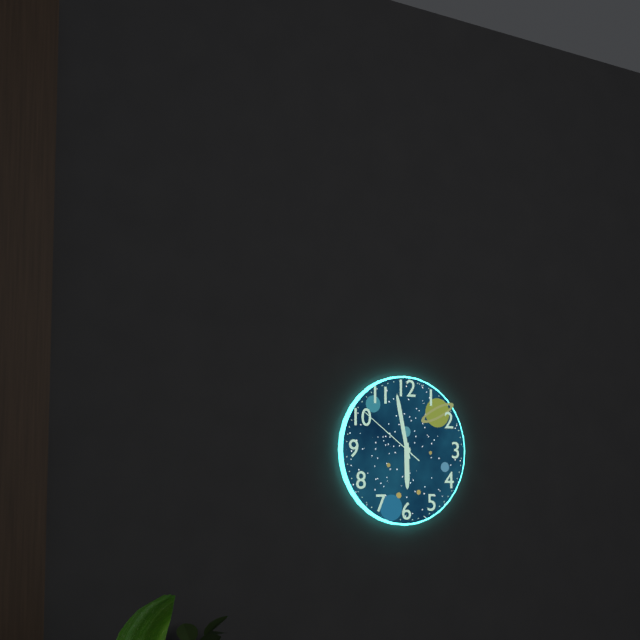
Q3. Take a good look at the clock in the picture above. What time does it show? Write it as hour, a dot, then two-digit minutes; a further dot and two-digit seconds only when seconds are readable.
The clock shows 5.58.51
